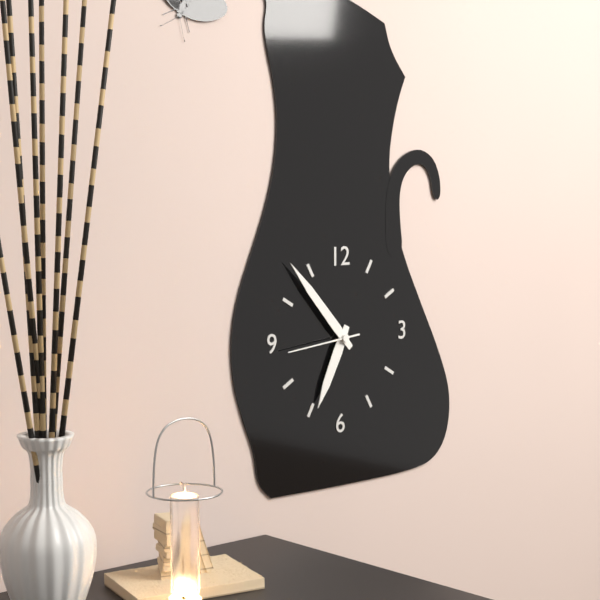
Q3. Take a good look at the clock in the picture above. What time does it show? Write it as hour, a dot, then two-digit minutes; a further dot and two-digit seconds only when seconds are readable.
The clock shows 6.53.44
